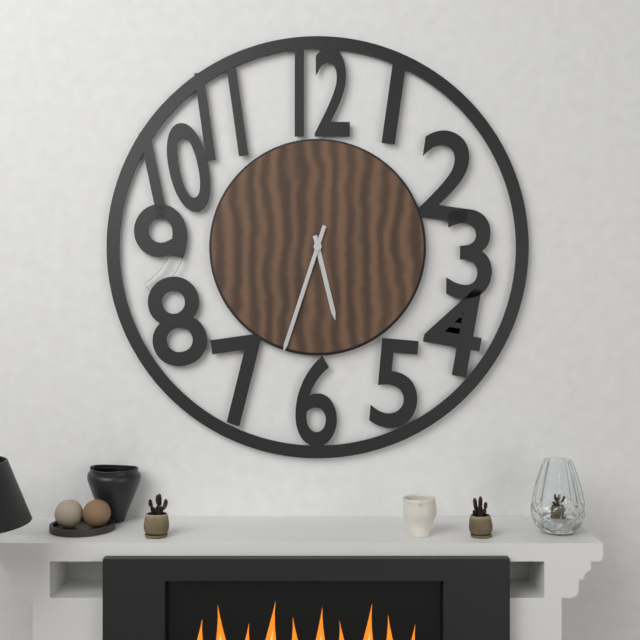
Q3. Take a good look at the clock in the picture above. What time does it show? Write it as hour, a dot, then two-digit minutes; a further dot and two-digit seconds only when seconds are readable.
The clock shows 5.33
